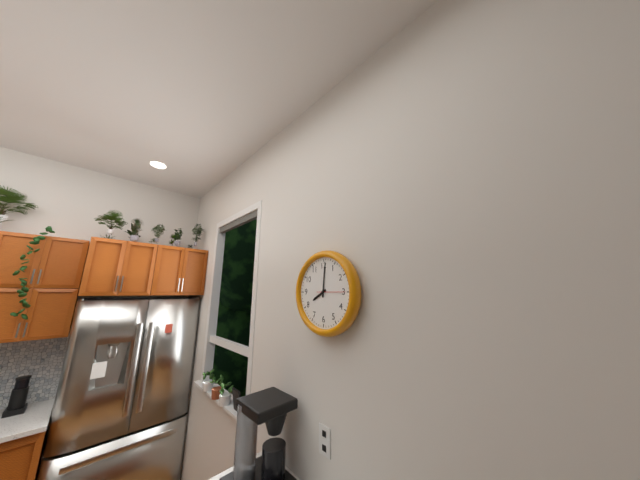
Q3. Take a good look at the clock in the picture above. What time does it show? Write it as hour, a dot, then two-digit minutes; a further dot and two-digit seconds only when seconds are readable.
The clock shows 8.01
